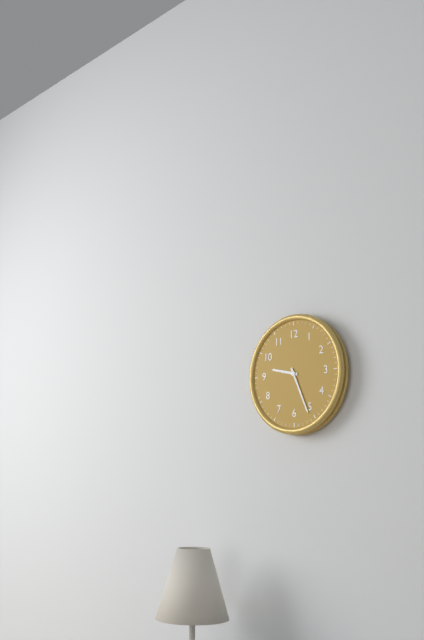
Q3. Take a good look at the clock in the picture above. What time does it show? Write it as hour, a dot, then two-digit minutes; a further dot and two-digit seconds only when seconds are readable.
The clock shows 9.26
